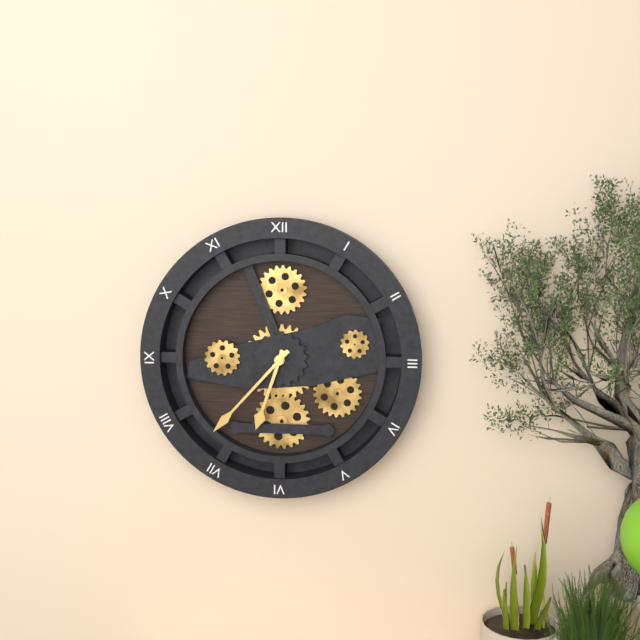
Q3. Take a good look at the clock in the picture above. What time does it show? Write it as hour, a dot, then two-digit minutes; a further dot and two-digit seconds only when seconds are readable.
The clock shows 6.37
